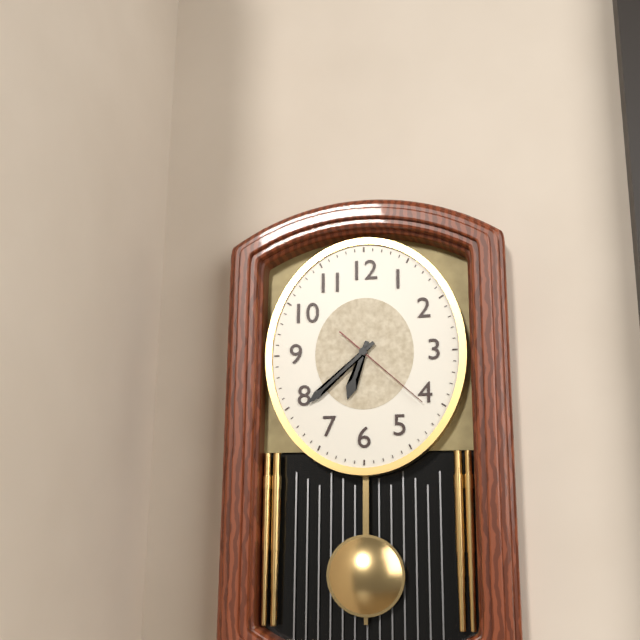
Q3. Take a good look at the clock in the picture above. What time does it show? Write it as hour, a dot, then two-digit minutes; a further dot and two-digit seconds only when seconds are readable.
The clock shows 6.38.22
